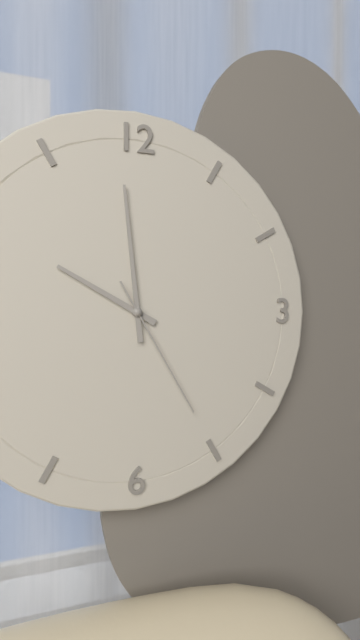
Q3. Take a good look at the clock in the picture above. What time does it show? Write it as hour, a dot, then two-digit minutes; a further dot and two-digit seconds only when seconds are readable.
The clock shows 9.59.25
